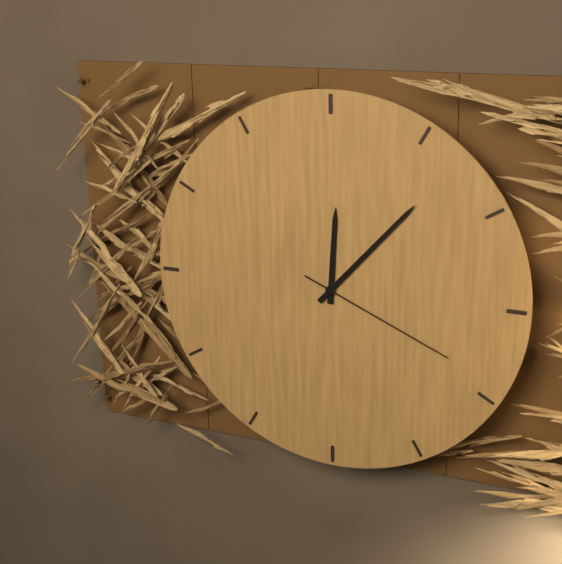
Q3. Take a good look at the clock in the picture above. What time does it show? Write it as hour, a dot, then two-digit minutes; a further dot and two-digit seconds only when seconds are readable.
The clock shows 12.07.19
